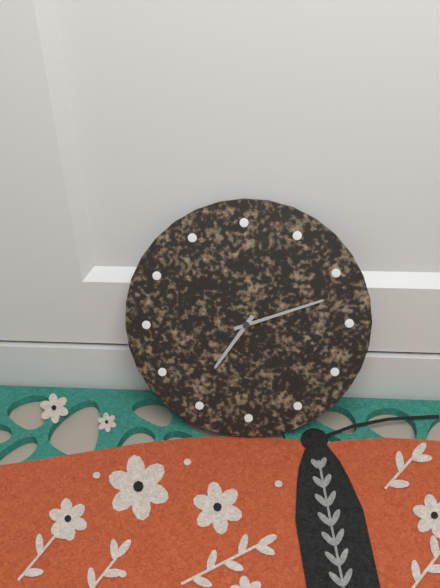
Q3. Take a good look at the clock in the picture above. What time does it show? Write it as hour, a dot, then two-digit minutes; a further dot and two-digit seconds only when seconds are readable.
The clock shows 7.12
